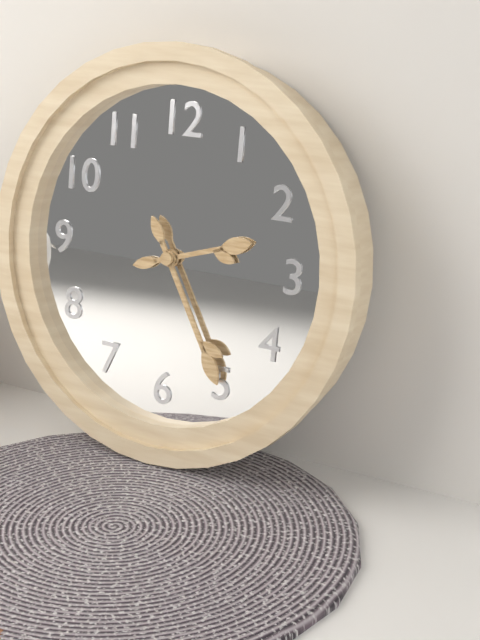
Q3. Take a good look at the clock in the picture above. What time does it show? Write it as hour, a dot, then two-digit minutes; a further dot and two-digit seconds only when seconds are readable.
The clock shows 2.25
